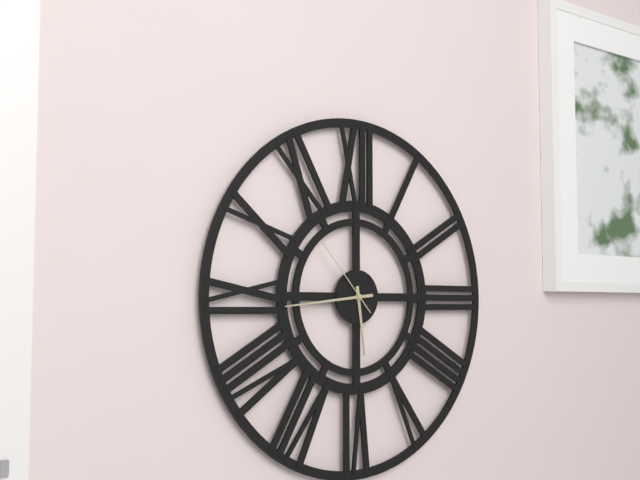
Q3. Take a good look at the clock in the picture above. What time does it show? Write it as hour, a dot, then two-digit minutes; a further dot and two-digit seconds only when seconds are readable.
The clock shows 5.44.53
